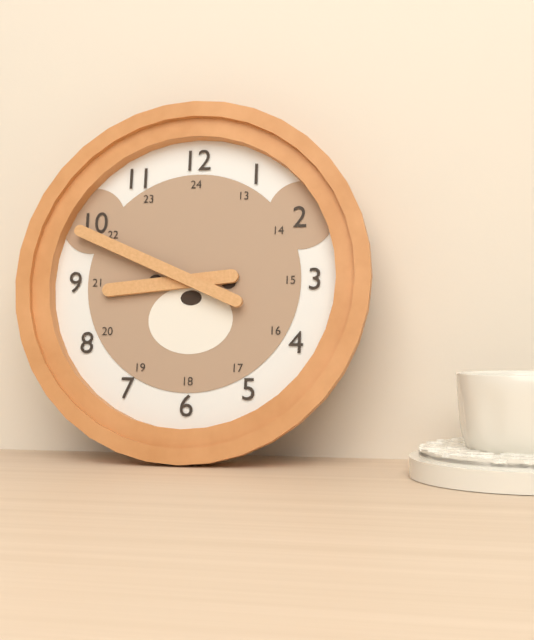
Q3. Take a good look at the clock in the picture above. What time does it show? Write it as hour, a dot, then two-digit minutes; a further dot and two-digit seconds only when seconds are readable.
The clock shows 8.49
